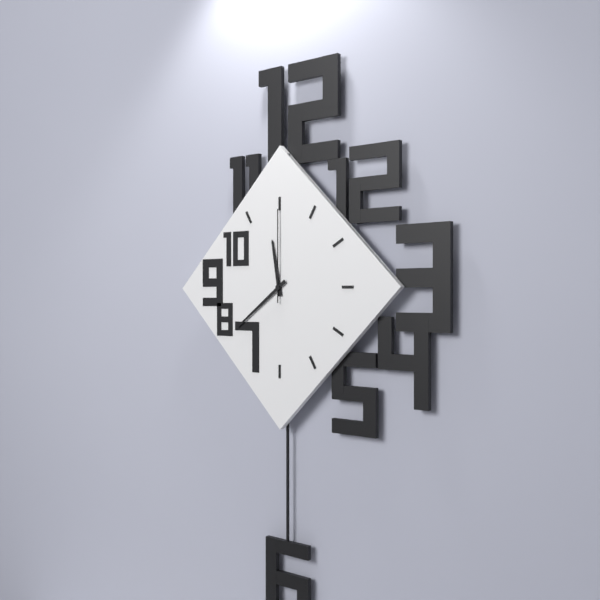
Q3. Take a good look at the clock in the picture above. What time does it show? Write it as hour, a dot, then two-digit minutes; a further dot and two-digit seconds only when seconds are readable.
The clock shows 11.39.00
